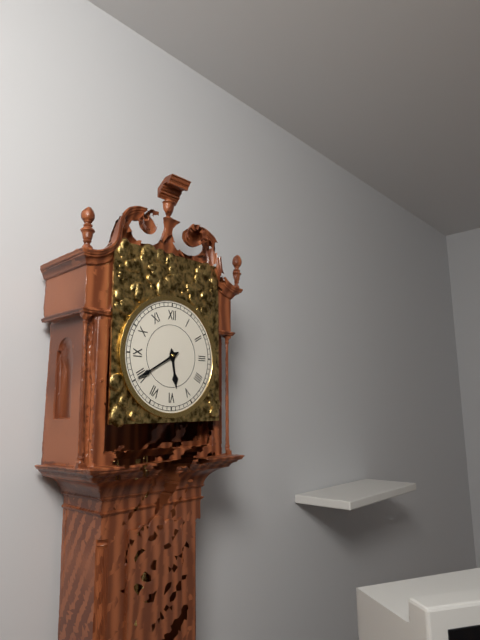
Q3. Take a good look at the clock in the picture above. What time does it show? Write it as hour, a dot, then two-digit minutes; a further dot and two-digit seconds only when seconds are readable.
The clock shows 5.40
